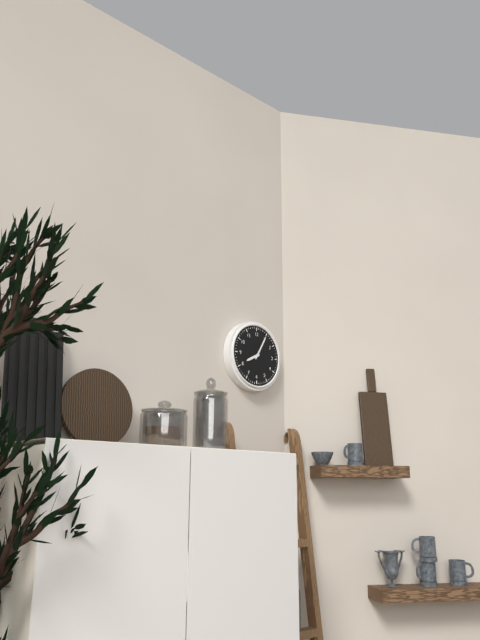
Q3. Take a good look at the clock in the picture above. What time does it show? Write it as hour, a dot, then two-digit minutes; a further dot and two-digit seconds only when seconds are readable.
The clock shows 8.05
